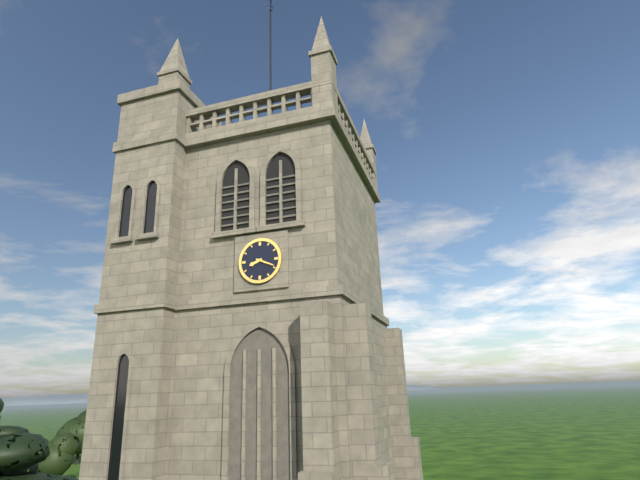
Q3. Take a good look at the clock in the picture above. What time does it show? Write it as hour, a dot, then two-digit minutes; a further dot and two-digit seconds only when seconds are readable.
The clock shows 8.19
